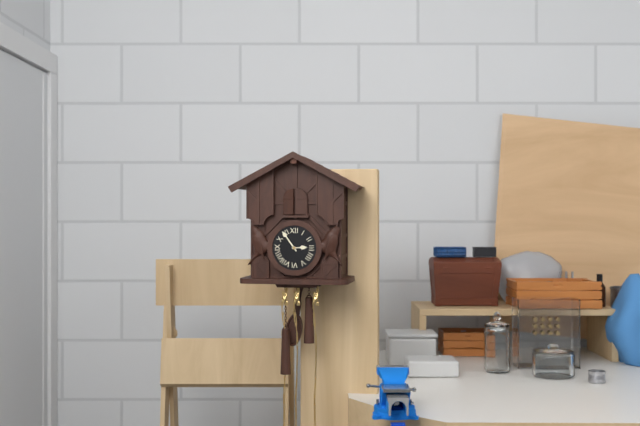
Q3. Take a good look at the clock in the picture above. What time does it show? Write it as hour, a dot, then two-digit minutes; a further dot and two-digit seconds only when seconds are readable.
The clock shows 2.54
